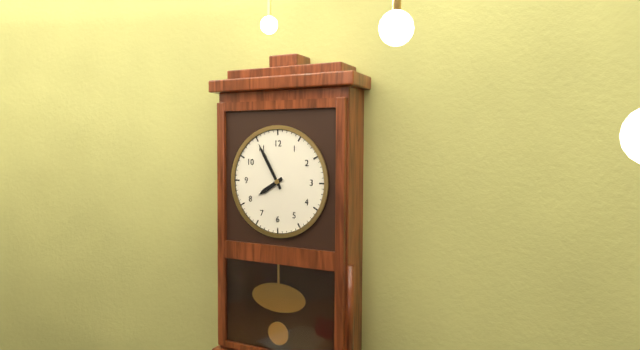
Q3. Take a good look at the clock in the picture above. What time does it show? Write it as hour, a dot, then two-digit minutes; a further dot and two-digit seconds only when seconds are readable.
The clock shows 7.55
